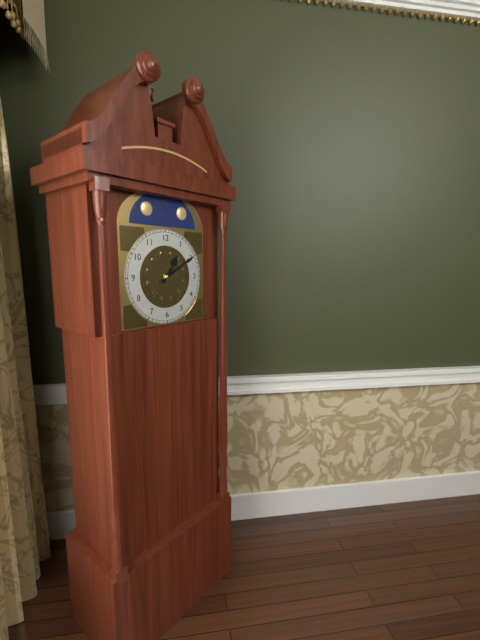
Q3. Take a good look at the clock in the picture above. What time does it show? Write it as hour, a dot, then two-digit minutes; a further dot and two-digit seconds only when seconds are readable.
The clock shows 1.10
